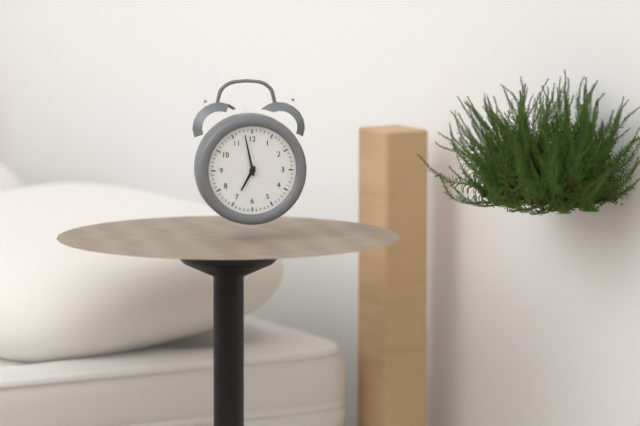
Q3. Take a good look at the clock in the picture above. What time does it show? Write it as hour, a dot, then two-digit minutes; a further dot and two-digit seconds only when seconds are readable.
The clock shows 6.58
